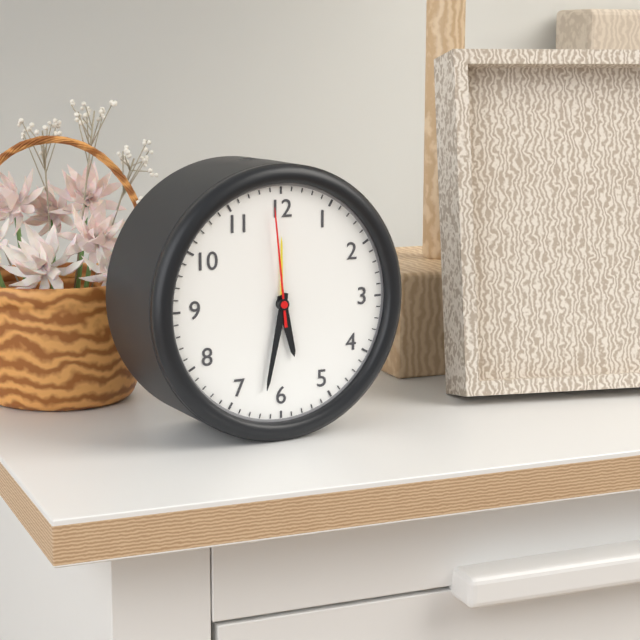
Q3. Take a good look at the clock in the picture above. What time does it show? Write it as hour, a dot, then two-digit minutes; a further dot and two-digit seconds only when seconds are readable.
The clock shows 5.32.59
